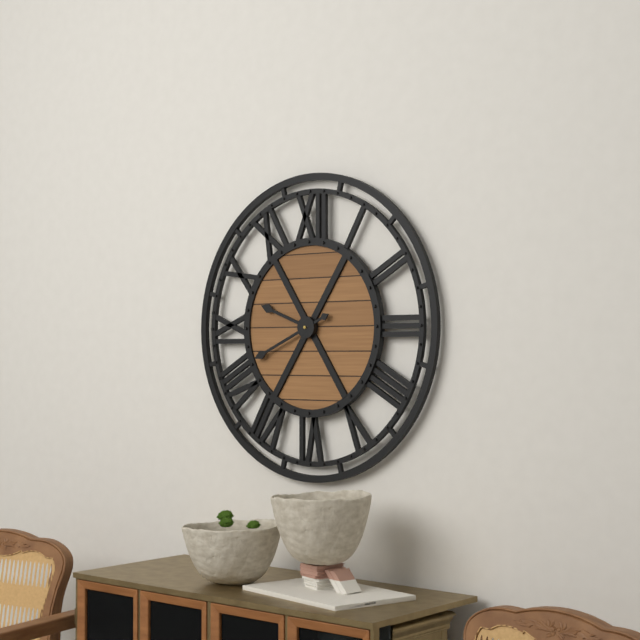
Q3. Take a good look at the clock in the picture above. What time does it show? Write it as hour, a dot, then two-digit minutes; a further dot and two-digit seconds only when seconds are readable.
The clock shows 9.41
